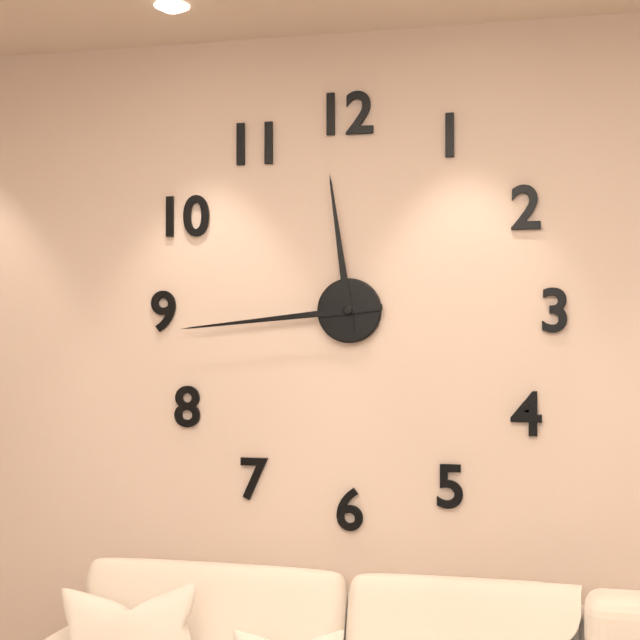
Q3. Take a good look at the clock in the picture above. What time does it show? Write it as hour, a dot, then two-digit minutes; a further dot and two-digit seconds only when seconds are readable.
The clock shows 11.44
